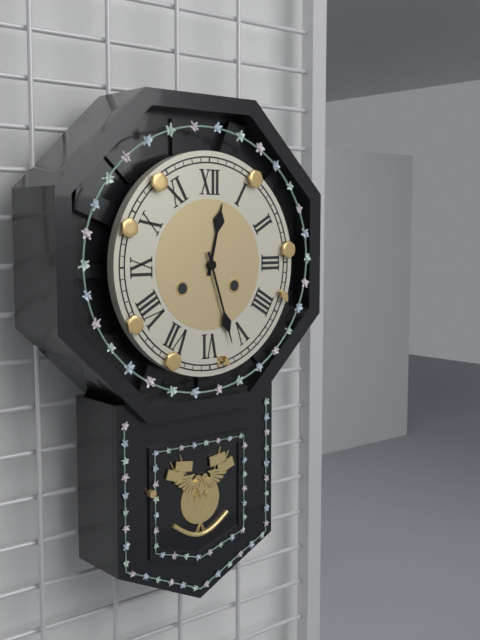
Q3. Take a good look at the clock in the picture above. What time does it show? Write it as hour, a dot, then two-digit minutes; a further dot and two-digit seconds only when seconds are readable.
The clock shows 12.27
